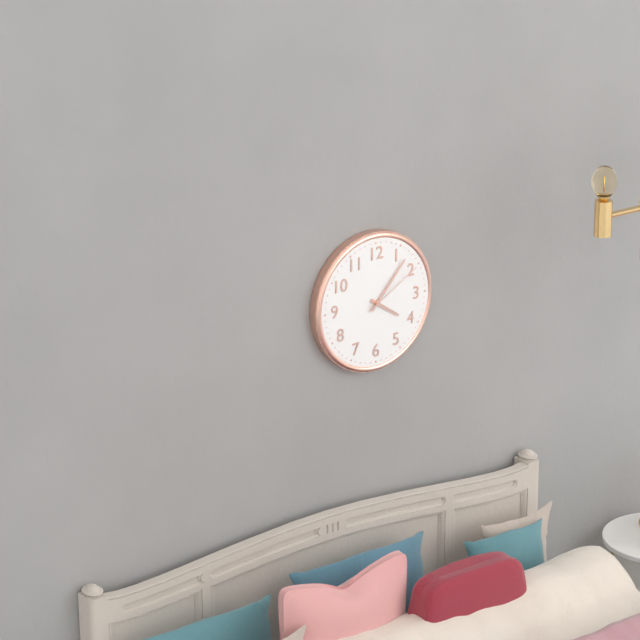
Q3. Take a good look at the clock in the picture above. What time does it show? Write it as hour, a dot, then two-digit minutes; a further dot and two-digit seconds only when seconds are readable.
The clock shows 4.07.10
